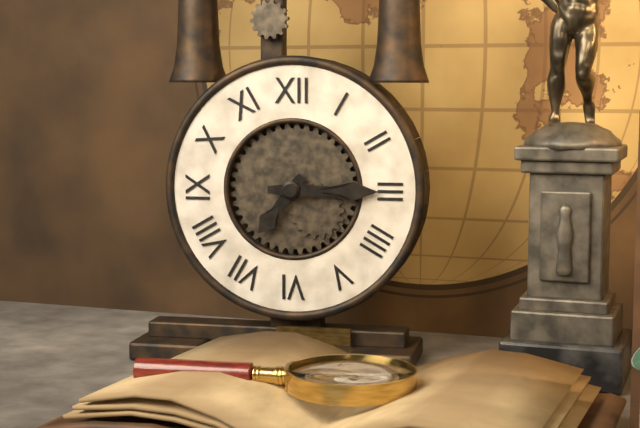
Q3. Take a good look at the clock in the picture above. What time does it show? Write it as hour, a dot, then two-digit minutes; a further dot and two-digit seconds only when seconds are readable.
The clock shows 7.15
